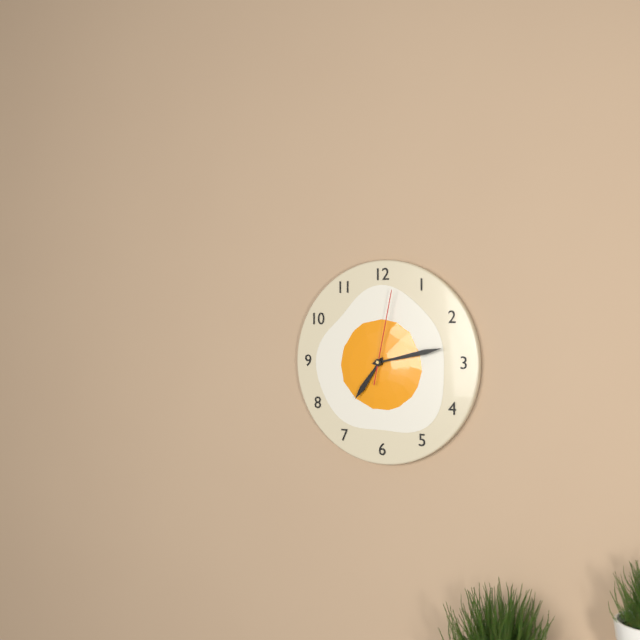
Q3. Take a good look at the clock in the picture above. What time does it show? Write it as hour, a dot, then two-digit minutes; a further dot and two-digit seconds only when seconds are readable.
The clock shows 7.13.02
